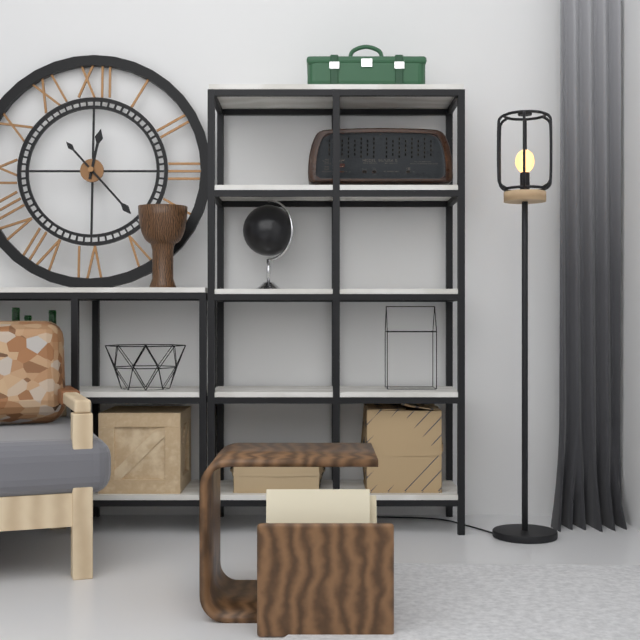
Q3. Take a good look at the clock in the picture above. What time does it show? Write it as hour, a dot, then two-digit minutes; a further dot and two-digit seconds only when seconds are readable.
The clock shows 12.23
